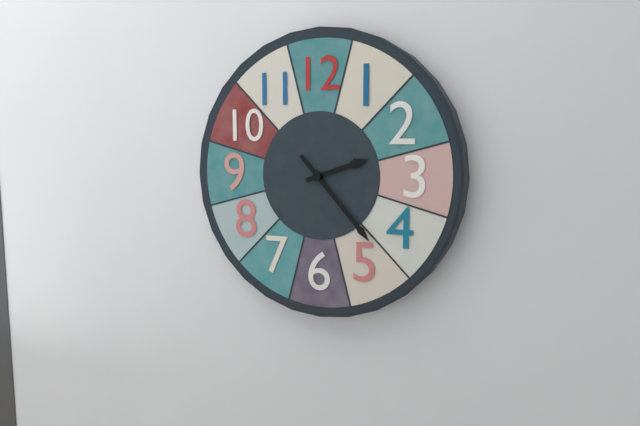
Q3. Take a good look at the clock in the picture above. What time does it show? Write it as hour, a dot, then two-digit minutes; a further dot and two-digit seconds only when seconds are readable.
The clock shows 2.23
